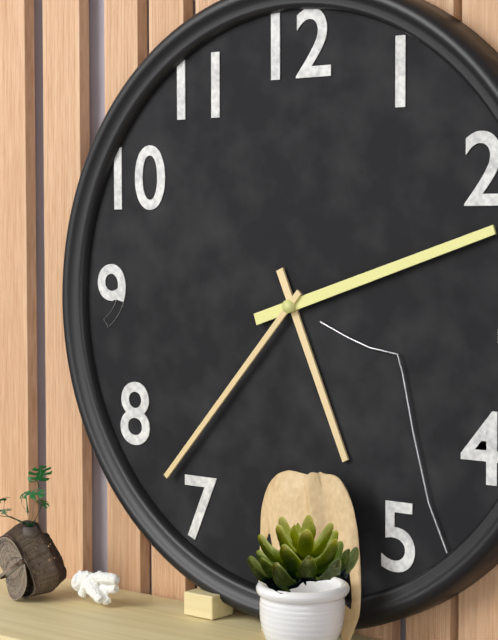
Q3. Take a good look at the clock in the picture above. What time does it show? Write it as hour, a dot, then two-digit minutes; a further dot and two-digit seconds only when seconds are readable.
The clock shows 5.12.37
